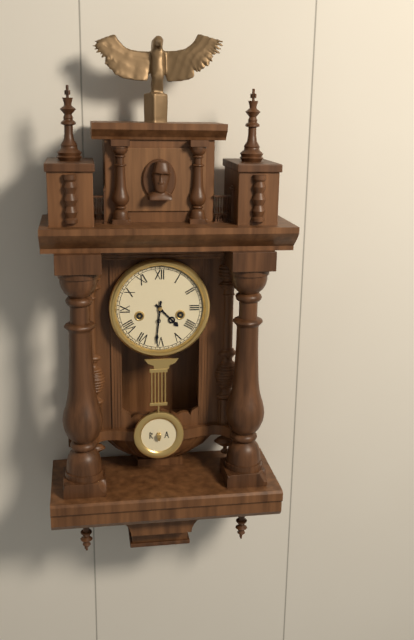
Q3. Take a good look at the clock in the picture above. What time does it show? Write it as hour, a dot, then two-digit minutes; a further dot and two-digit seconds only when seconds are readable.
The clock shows 4.31
